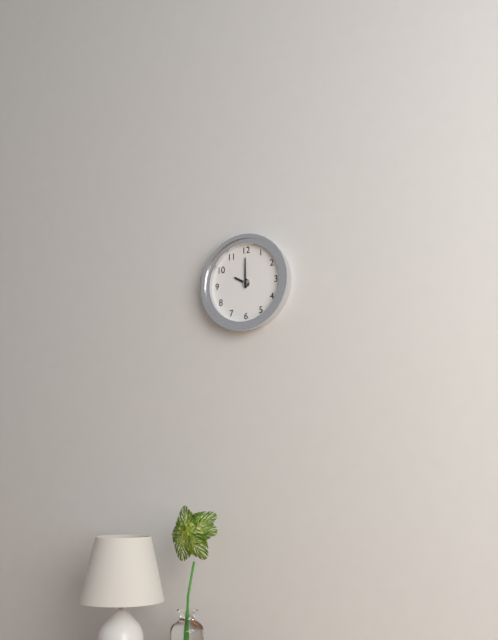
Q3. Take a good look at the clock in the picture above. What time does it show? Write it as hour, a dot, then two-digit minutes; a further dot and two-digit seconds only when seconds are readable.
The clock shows 10.00
